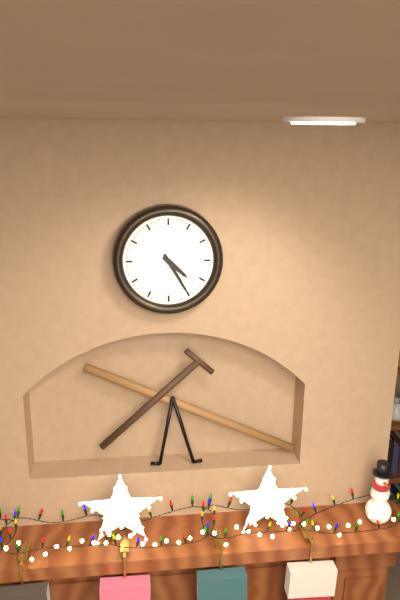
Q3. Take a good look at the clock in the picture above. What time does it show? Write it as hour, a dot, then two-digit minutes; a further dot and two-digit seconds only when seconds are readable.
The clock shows 4.25
